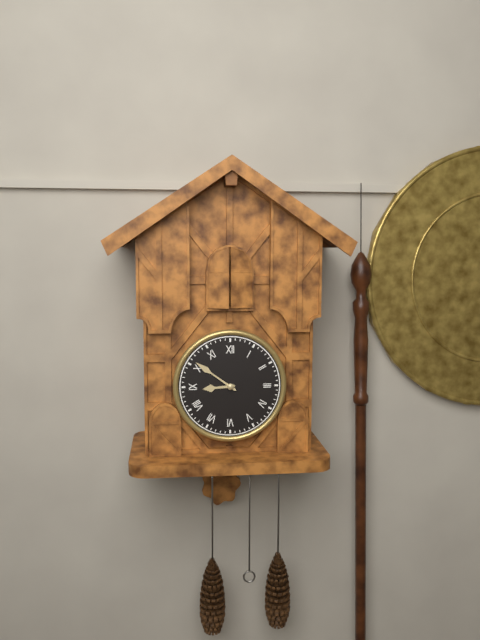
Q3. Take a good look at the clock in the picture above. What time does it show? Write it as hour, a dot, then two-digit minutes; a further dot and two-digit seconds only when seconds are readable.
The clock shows 8.51
